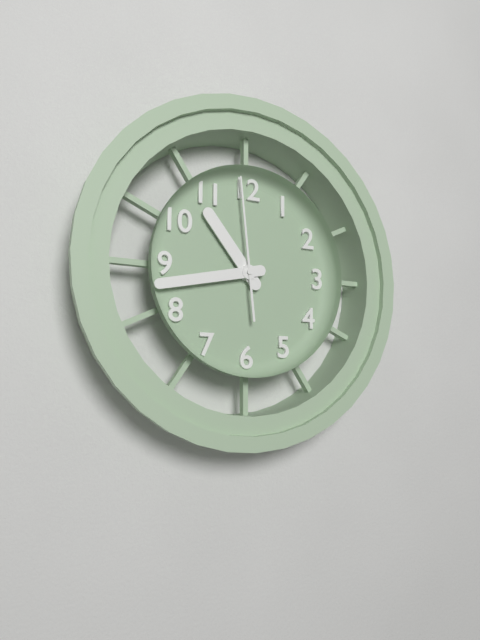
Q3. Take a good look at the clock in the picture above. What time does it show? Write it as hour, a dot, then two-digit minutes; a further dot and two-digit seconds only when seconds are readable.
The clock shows 10.43.59
